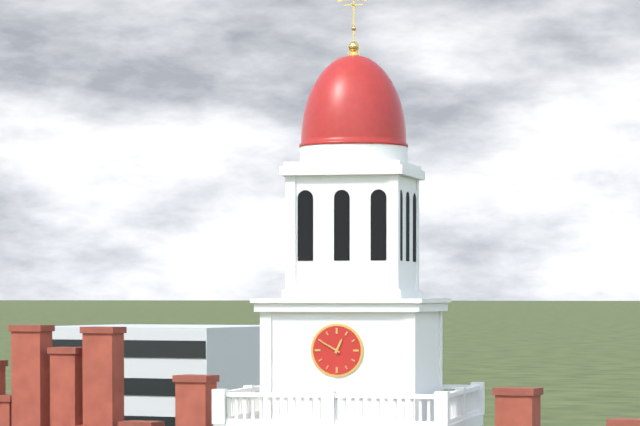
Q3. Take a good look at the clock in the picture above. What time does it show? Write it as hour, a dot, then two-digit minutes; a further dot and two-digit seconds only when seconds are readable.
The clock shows 12.50
